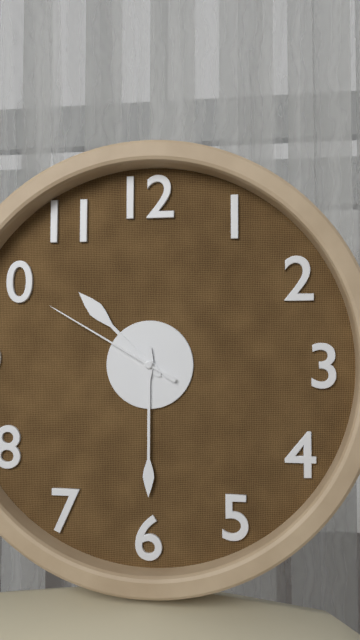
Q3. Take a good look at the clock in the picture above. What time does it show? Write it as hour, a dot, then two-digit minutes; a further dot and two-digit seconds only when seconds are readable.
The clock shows 10.30.50
